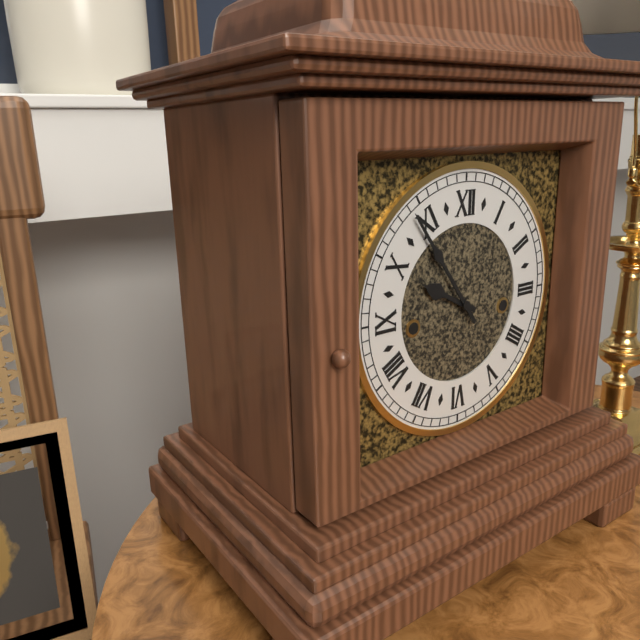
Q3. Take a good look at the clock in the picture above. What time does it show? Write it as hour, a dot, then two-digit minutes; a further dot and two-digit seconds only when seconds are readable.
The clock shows 9.54
